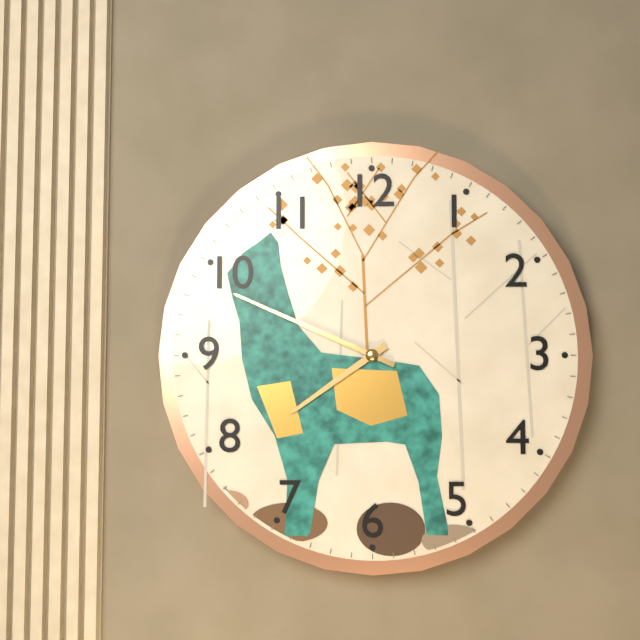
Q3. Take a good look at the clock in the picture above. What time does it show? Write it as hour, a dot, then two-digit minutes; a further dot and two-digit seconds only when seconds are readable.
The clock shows 7.49
